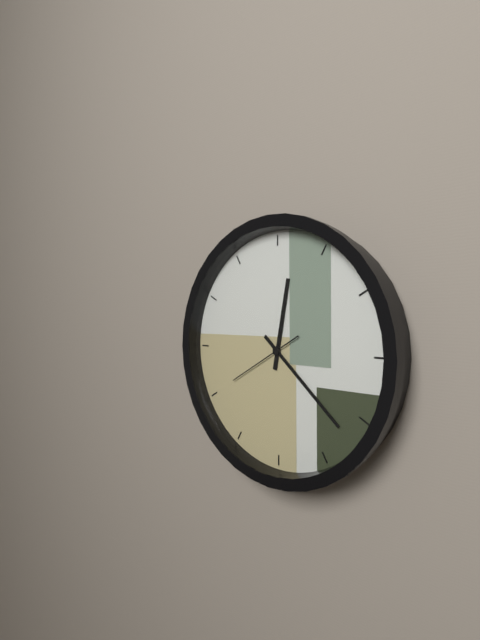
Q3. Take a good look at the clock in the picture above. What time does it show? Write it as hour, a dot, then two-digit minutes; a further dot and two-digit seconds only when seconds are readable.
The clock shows 12.22.40
